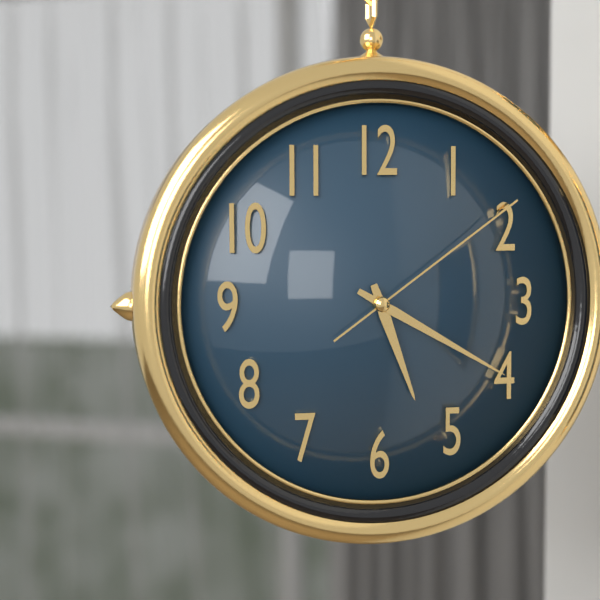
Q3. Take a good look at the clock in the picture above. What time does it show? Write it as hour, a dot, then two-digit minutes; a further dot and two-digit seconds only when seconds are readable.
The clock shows 5.20.09
